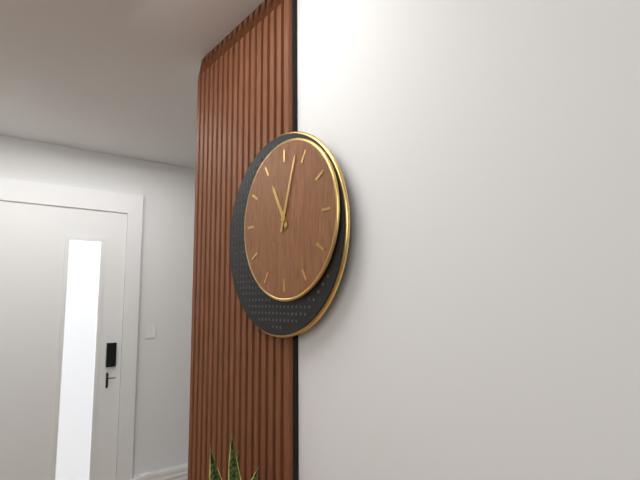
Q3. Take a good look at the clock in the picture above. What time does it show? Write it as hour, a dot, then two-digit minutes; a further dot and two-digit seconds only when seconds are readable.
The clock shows 11.03
